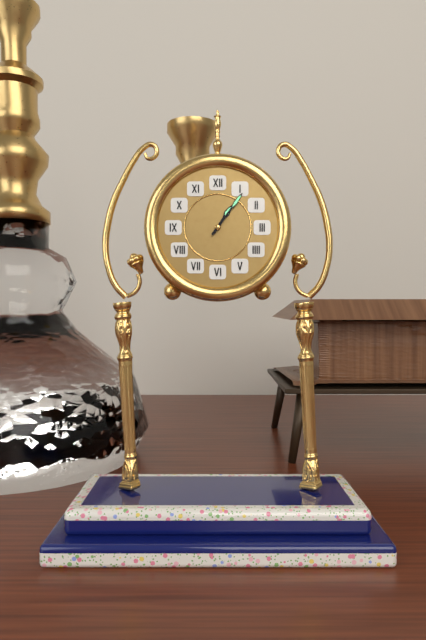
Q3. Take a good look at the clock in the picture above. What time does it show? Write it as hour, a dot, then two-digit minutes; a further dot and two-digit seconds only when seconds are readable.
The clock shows 1.06
